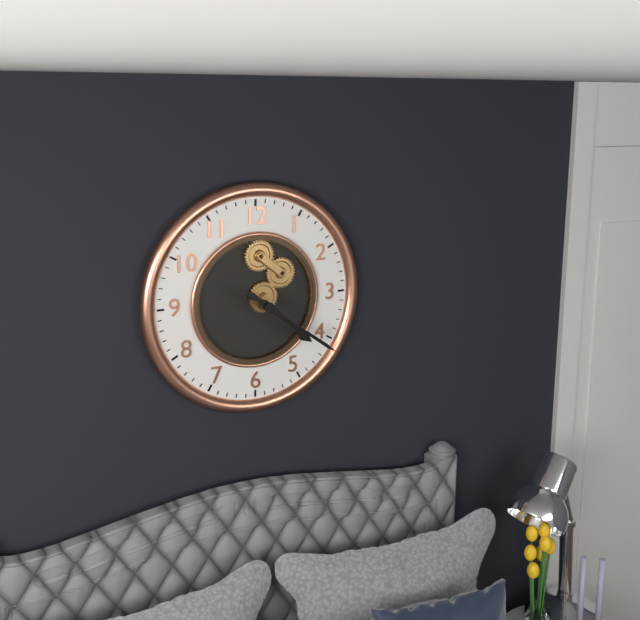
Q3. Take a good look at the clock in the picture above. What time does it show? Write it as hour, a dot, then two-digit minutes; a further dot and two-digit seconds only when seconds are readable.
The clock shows 4.21
